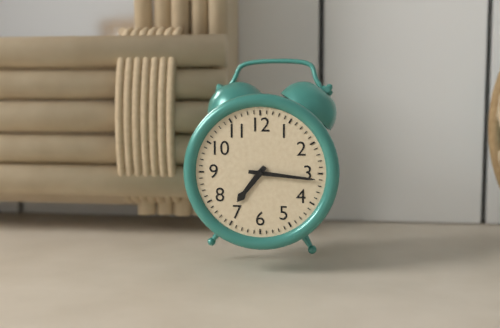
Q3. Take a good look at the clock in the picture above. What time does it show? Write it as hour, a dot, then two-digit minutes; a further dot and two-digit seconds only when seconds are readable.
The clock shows 7.16
